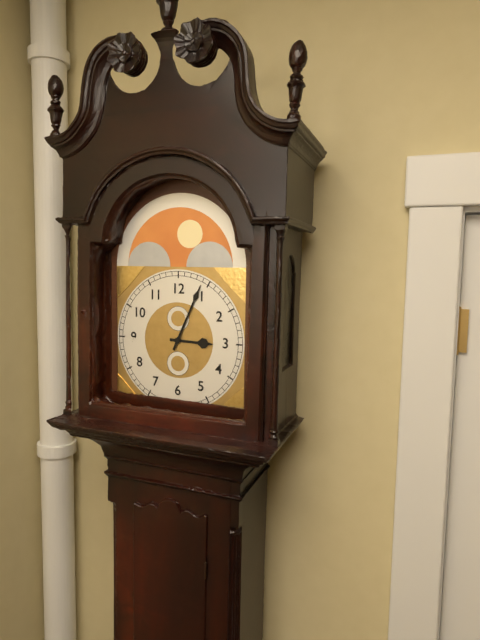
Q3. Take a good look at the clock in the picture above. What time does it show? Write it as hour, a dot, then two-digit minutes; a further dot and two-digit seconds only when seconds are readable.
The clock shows 3.04
